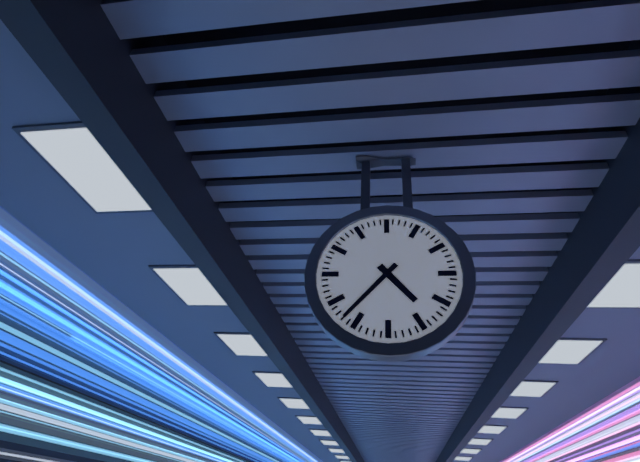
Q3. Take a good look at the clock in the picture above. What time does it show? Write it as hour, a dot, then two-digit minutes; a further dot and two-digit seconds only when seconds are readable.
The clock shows 4.37
